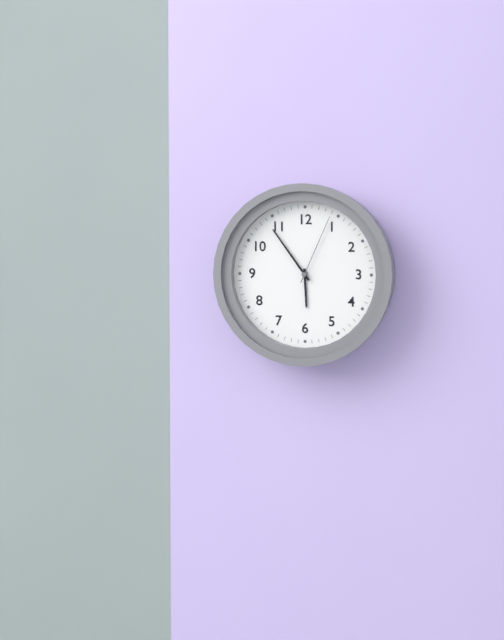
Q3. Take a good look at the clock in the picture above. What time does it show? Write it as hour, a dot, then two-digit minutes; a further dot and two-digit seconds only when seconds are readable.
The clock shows 5.54.04
